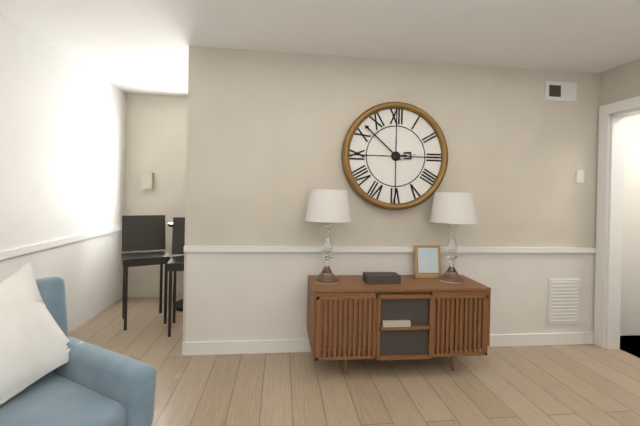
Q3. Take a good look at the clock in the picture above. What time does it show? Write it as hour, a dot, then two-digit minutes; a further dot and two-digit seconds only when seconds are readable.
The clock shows 2.52
